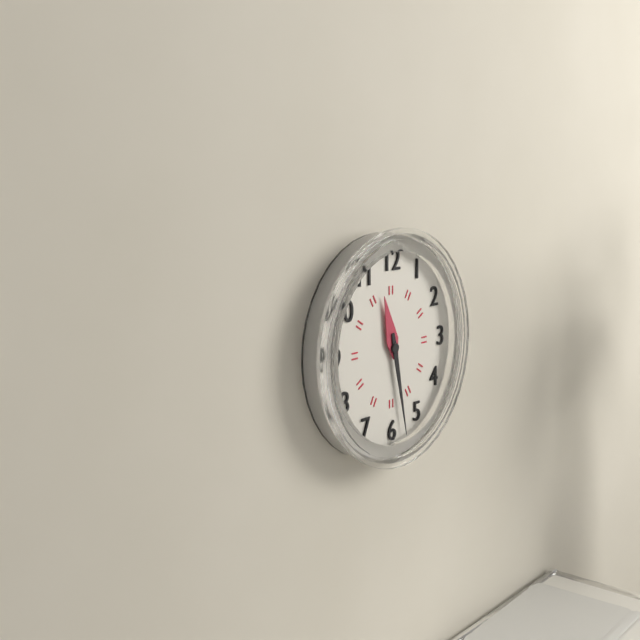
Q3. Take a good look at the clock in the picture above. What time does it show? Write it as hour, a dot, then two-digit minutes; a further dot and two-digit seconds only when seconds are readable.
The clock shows 11.28
